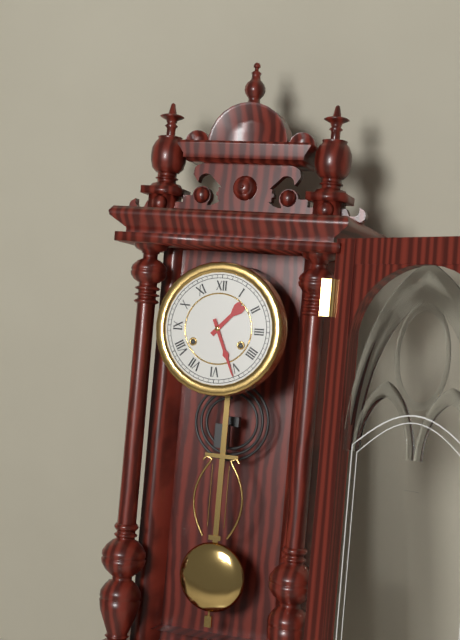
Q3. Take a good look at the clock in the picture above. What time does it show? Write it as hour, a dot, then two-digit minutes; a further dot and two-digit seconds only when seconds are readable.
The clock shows 1.26
